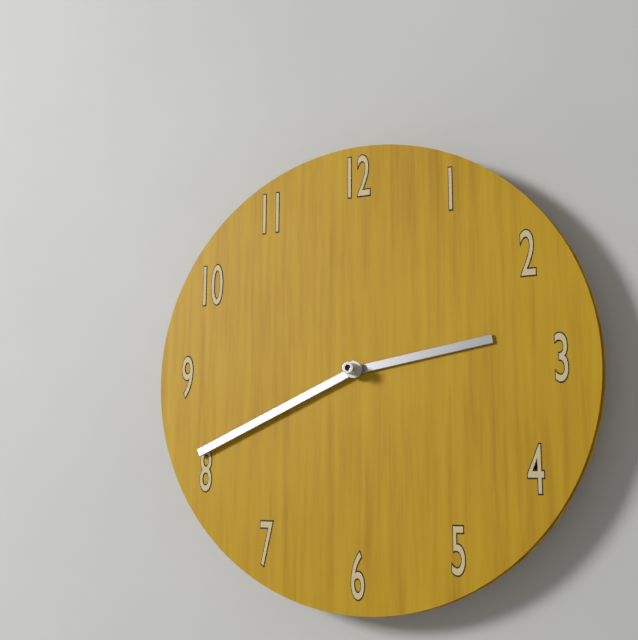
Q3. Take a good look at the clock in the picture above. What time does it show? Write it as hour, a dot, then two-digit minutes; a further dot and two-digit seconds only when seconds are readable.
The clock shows 2.41
